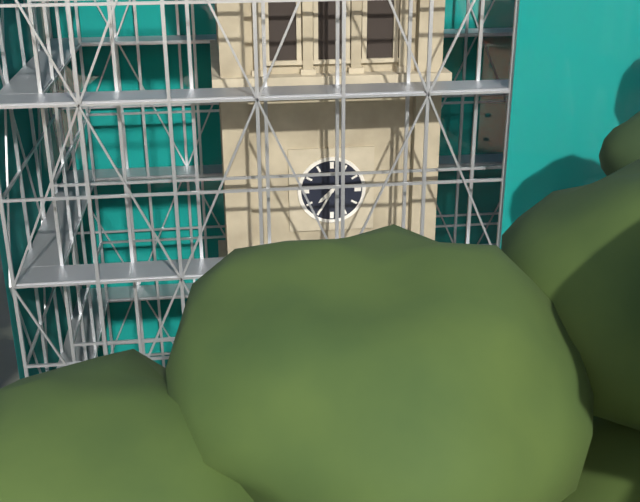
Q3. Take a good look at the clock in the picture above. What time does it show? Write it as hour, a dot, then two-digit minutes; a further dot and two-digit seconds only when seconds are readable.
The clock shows 7.35
